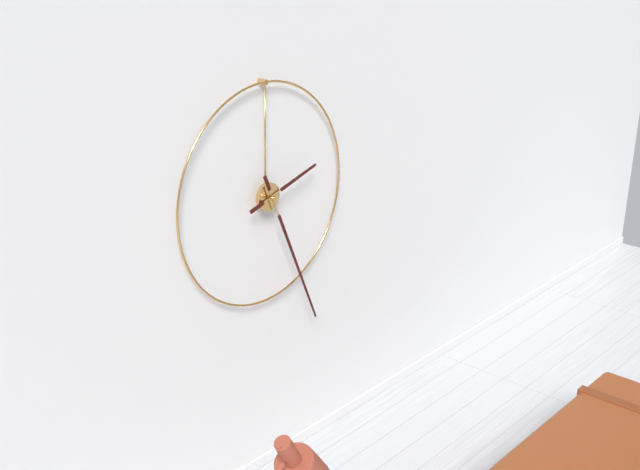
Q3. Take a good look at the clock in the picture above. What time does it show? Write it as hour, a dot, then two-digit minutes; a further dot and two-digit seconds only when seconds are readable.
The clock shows 2.26
